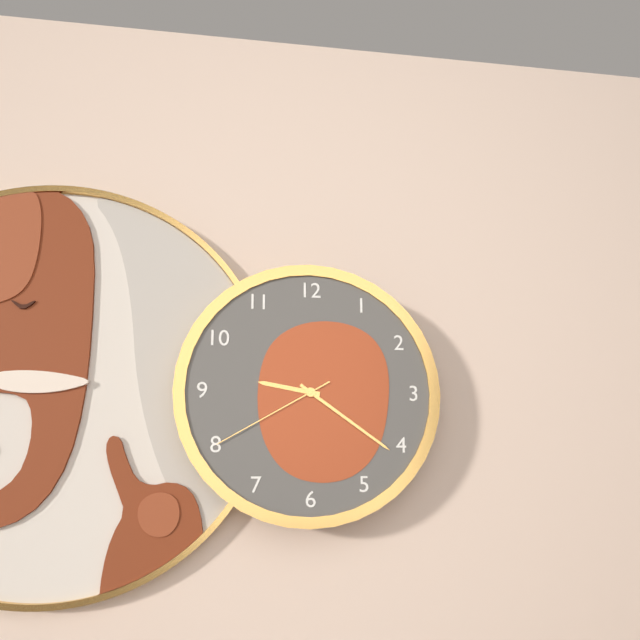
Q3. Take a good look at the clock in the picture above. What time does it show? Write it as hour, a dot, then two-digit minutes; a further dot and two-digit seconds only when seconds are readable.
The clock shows 9.21.40
